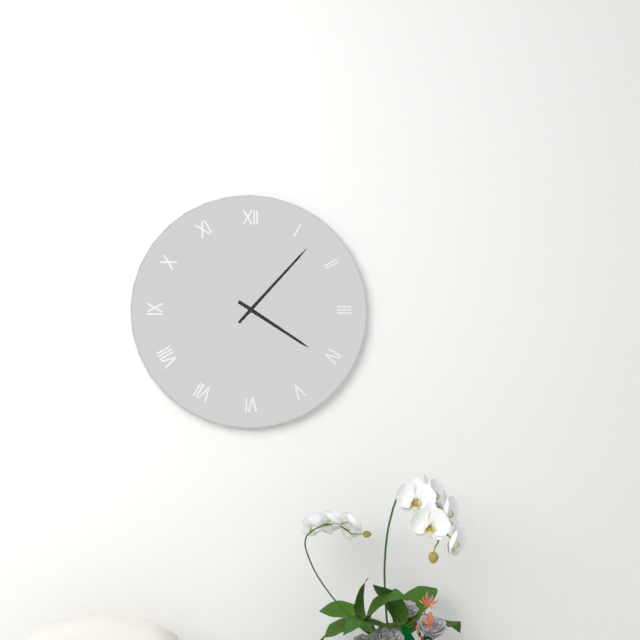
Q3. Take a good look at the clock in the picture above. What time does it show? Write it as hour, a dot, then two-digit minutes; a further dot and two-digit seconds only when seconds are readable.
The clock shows 4.07
